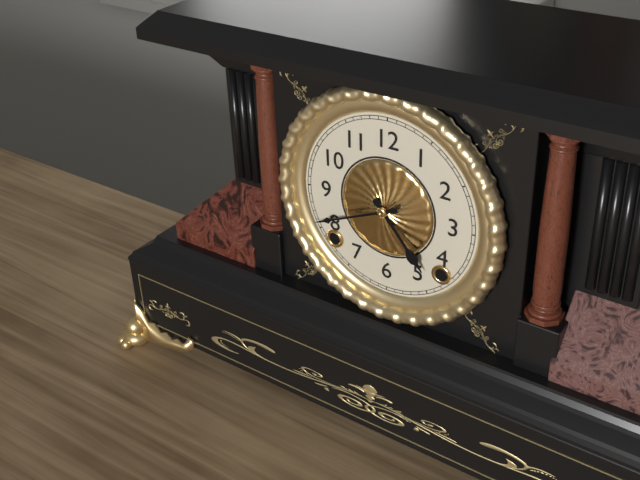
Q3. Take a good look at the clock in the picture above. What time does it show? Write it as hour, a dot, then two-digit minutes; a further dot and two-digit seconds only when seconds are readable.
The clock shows 4.41
